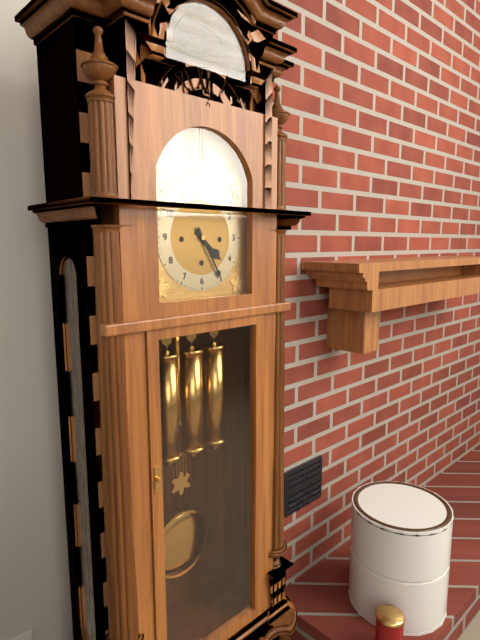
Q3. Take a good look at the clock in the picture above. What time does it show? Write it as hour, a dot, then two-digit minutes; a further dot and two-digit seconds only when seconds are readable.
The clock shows 4.25
